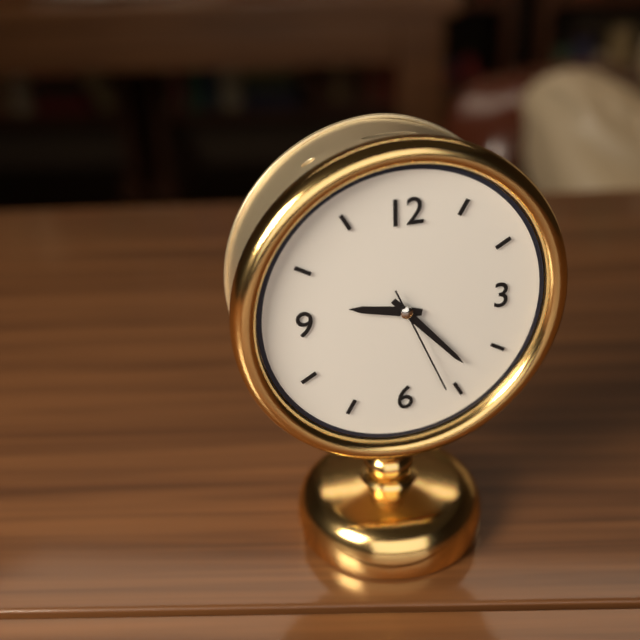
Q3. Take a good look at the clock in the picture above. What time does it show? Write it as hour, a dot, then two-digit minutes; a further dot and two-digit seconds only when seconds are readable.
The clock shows 9.23.26
